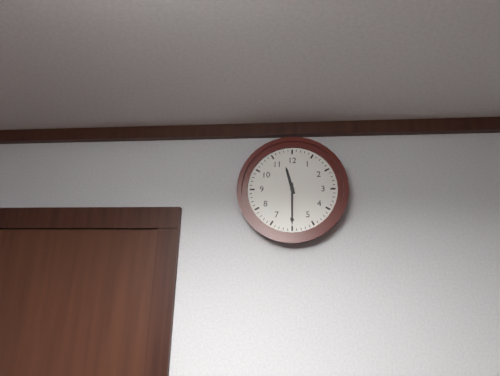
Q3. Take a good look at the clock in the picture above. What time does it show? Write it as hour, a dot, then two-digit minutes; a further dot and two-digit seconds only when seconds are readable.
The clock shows 11.30
